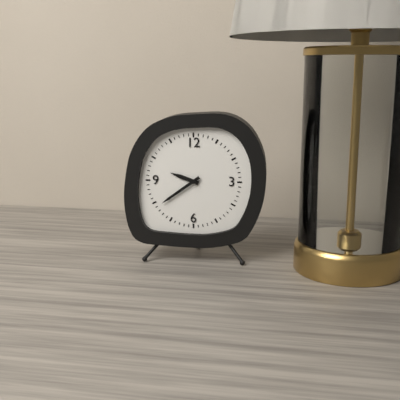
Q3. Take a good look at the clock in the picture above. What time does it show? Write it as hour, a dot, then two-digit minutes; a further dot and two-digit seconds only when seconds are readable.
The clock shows 9.39
